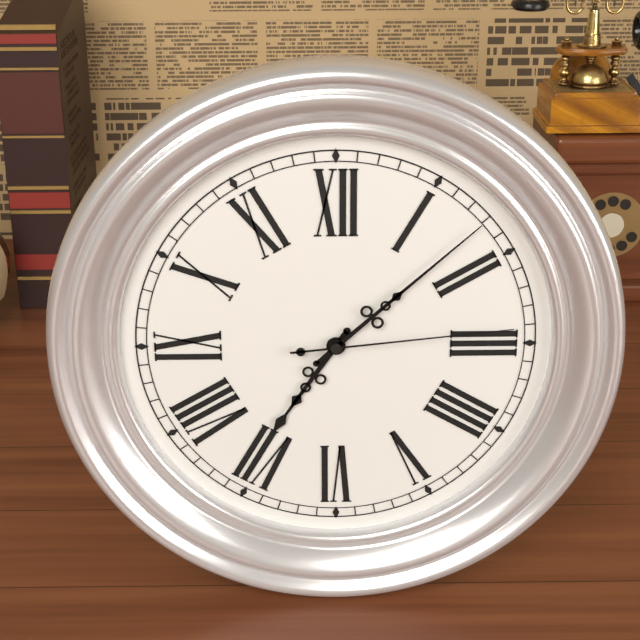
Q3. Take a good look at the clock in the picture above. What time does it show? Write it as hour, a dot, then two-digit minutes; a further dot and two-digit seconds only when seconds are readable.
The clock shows 7.08.14
